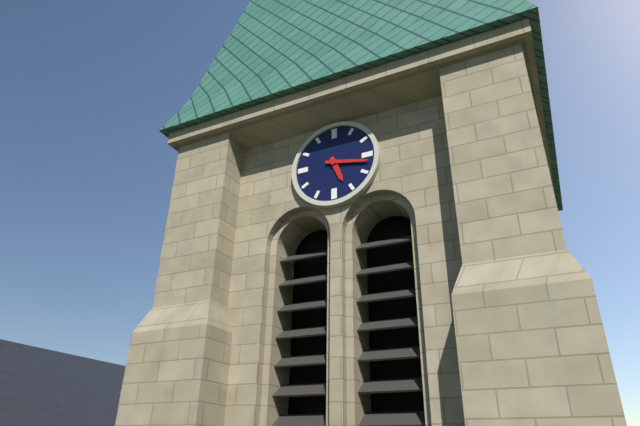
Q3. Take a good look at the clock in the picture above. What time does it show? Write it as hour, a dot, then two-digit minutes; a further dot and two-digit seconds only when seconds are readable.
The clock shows 5.17
